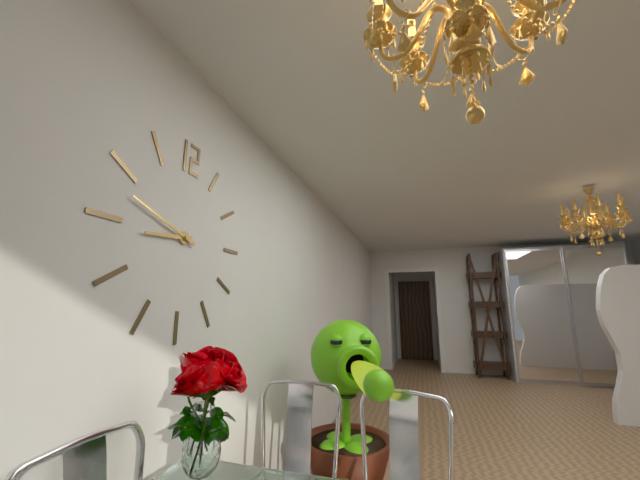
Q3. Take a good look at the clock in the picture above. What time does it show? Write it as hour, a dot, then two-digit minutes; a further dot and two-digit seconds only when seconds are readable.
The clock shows 8.48
